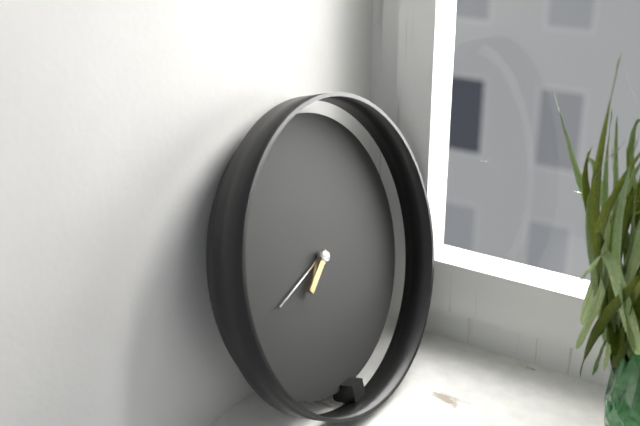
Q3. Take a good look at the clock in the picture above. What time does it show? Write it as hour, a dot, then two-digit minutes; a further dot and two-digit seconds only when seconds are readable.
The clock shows 7.42
